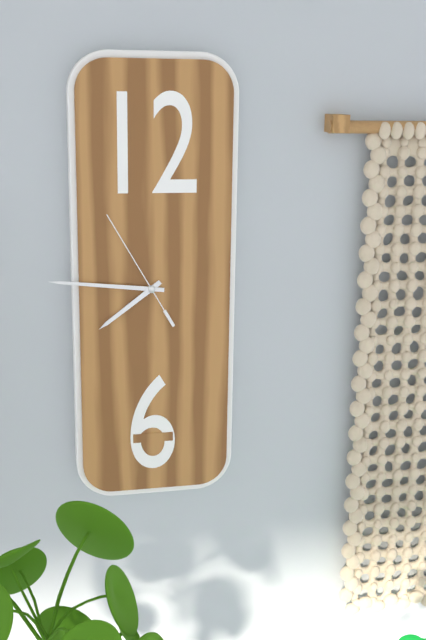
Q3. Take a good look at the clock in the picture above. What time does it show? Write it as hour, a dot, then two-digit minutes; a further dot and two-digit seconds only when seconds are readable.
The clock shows 7.46.55
